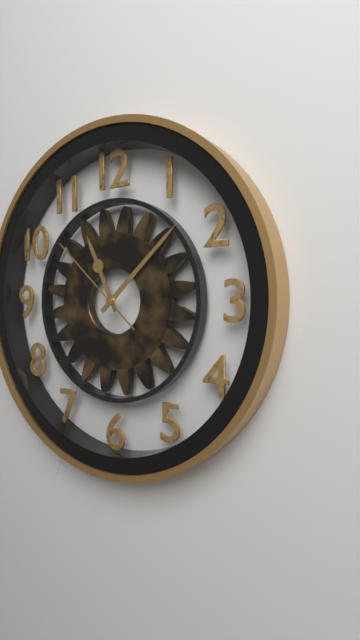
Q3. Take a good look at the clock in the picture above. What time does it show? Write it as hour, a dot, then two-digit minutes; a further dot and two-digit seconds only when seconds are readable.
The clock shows 11.08.52
